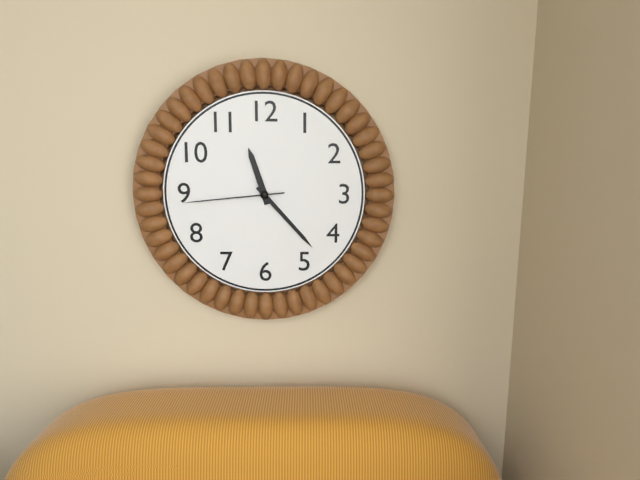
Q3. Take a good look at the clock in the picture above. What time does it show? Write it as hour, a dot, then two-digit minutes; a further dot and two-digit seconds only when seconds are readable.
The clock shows 11.23.44
